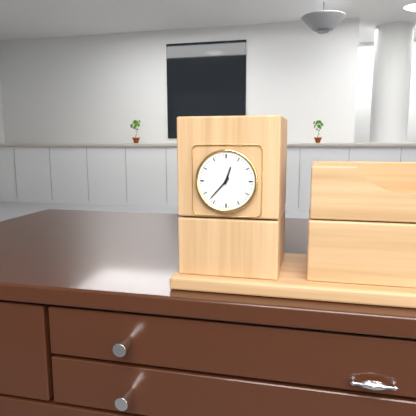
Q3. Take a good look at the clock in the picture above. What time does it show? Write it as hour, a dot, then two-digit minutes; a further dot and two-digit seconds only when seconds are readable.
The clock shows 12.37
